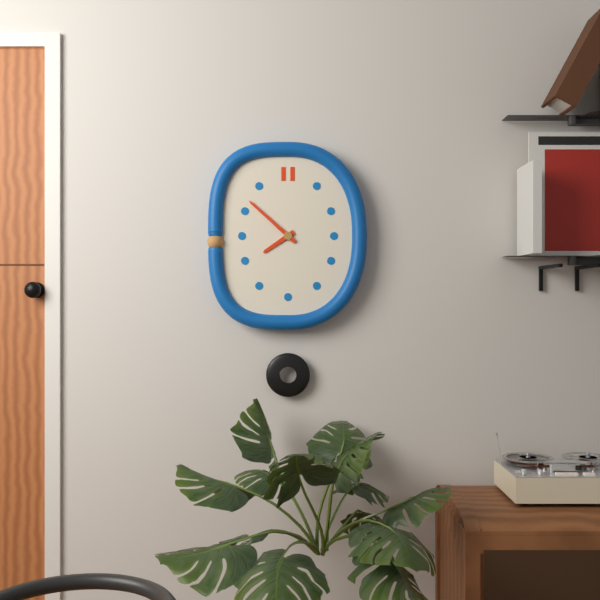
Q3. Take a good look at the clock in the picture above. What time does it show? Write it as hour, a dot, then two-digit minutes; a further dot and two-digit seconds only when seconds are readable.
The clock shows 7.52
